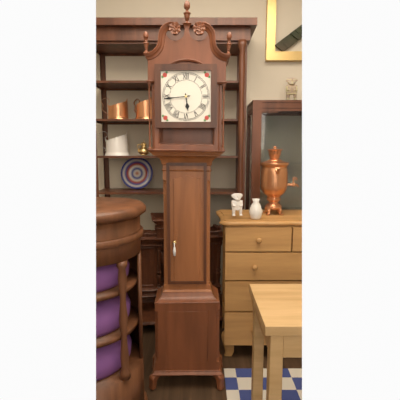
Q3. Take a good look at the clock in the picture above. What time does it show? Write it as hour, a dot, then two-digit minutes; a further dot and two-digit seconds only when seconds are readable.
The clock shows 5.44
